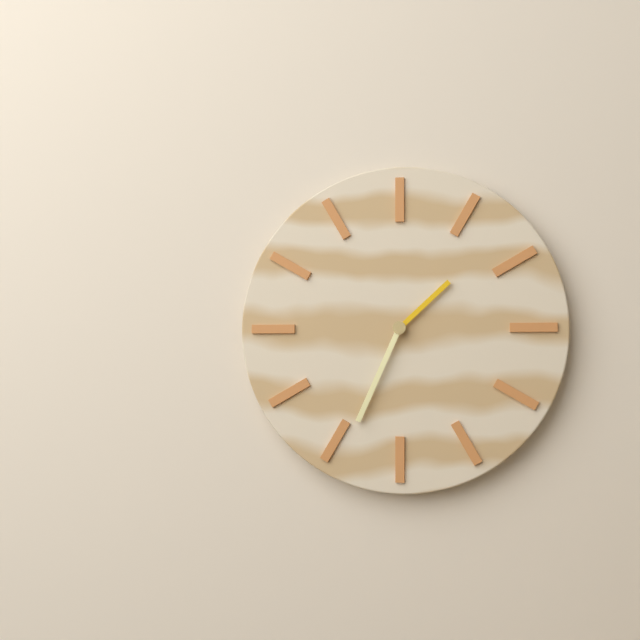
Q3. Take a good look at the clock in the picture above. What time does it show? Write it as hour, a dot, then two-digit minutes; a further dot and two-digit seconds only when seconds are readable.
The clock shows 1.34
